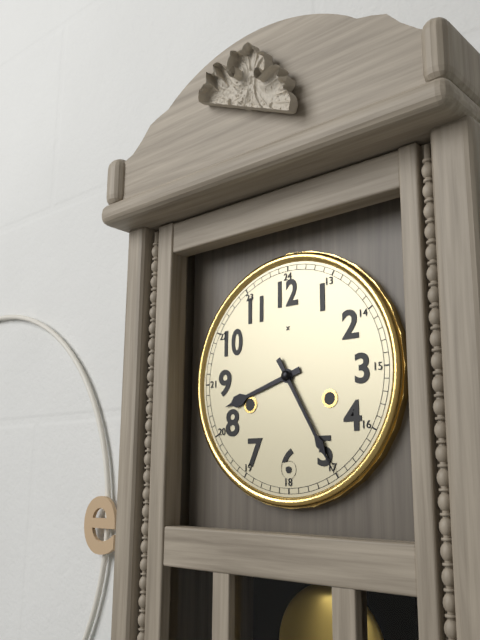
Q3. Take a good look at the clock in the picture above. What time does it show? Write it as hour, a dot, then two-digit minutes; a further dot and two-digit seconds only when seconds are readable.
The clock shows 8.25
